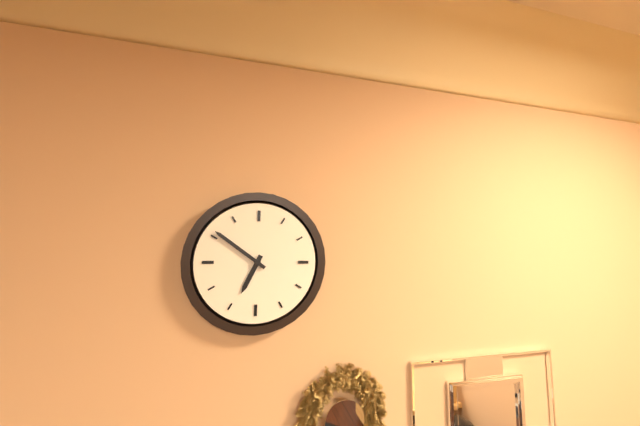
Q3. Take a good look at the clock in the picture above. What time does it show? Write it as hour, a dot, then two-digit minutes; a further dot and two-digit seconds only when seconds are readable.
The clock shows 6.51
